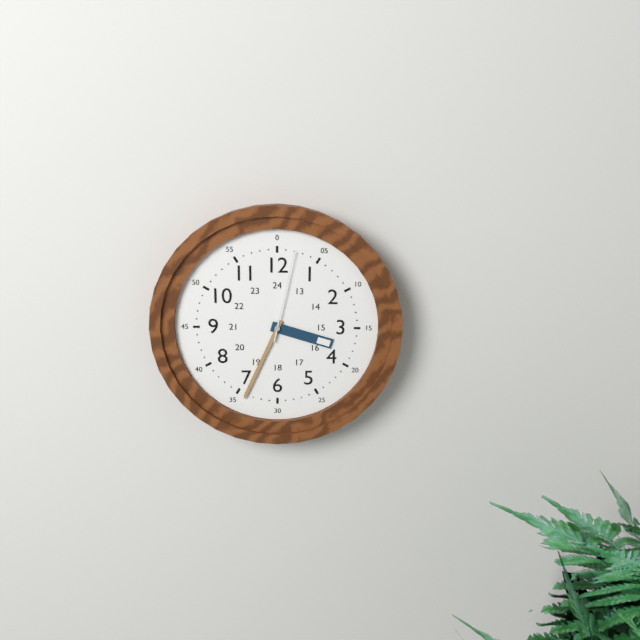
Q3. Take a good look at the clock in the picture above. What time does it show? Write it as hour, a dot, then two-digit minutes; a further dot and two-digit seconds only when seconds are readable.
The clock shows 3.34.02
